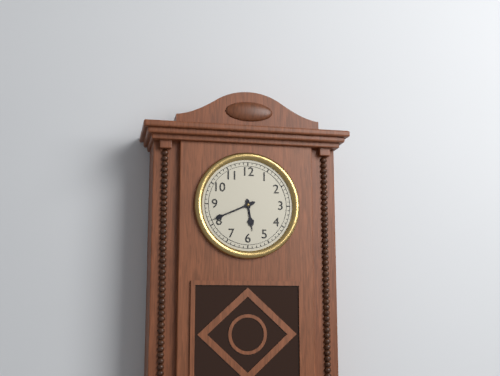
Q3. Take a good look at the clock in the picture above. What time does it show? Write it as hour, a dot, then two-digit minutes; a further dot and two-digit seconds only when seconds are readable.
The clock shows 5.41
